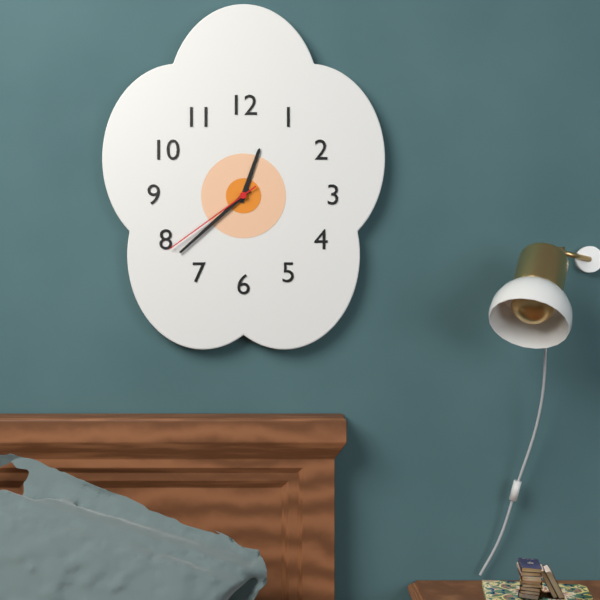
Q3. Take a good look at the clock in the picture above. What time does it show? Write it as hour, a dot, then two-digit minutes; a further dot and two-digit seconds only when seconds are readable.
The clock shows 12.38.39
